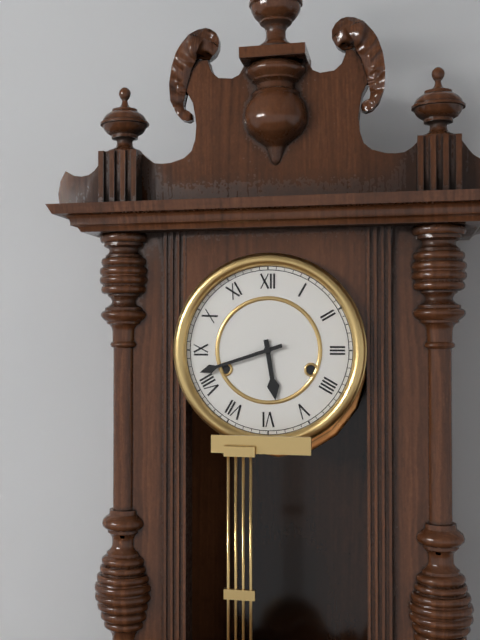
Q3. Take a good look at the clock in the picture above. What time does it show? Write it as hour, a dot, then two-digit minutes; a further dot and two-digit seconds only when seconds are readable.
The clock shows 5.42
